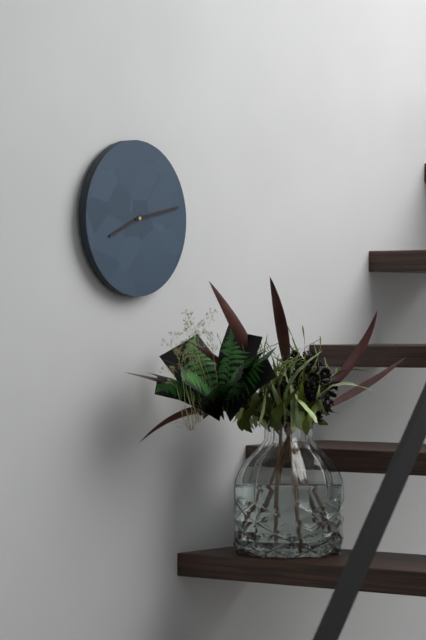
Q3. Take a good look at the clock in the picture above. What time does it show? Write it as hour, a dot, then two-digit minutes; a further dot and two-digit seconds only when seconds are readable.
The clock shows 8.13
